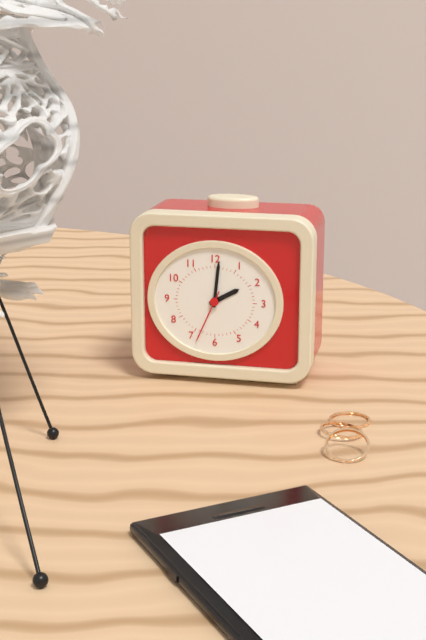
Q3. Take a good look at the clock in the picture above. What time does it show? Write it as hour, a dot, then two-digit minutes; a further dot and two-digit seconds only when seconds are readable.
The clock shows 2.01.34
